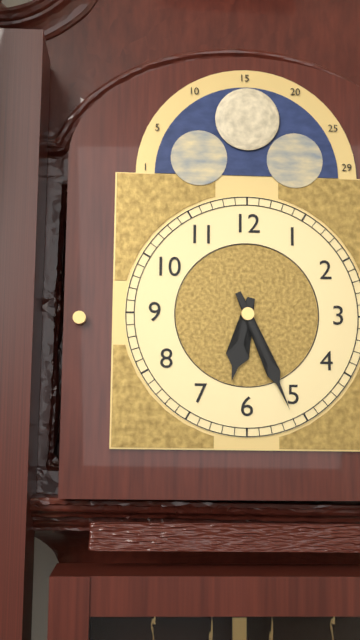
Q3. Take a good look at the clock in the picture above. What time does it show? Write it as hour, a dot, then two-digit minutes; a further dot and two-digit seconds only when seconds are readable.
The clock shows 6.26
